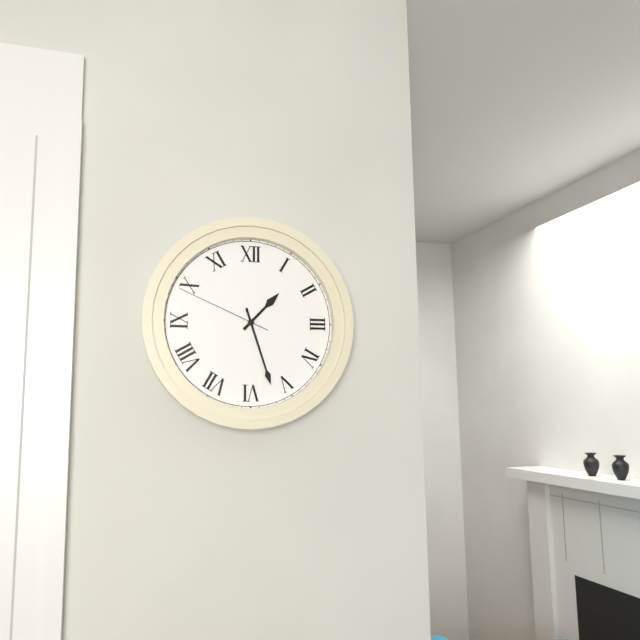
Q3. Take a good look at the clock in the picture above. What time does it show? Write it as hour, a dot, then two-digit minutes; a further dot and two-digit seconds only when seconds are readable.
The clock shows 1.27.49
